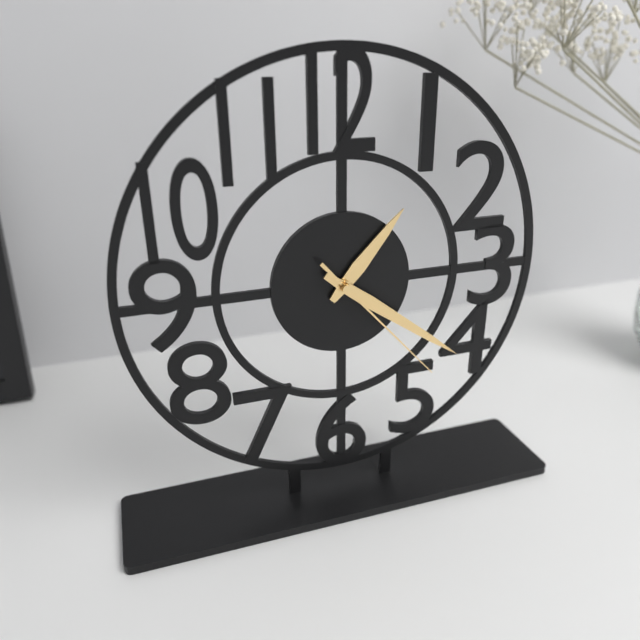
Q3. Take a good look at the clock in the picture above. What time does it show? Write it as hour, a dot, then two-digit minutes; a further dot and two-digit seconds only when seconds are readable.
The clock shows 1.21.23
